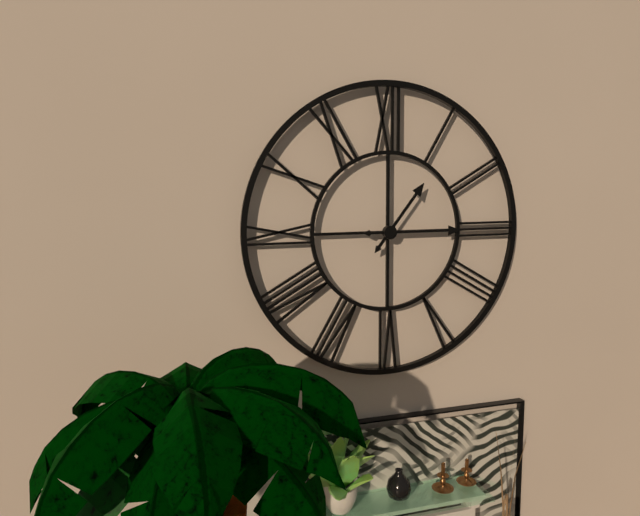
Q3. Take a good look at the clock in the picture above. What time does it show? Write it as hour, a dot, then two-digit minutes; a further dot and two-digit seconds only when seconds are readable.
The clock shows 1.15
